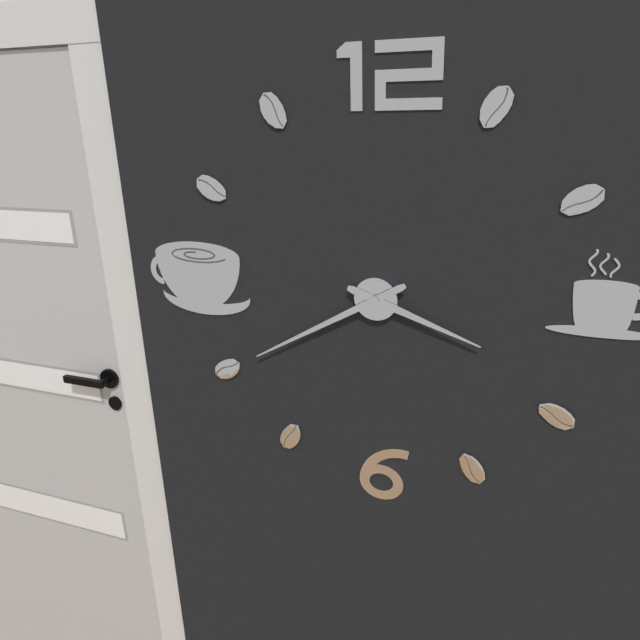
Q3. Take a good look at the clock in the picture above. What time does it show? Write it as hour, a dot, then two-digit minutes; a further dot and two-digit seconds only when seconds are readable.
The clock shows 3.40
